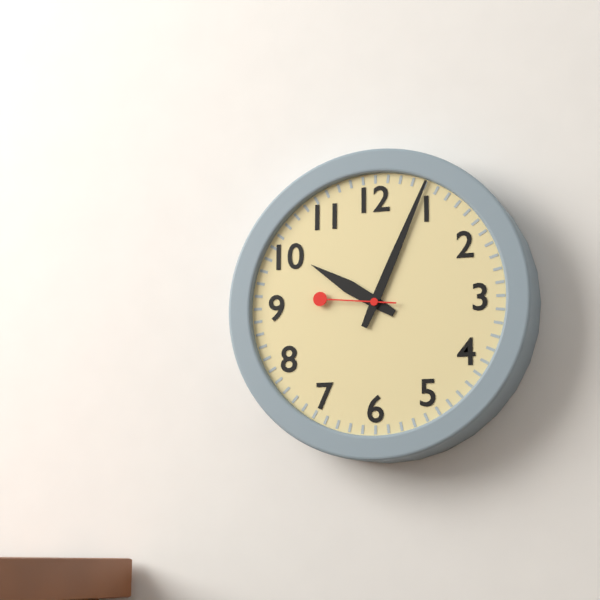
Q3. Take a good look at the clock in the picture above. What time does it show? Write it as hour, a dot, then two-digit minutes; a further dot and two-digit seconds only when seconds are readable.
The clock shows 10.04.46
